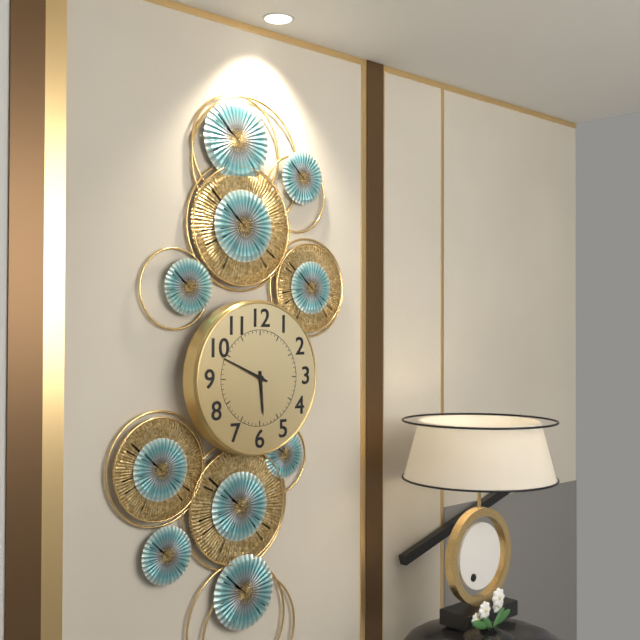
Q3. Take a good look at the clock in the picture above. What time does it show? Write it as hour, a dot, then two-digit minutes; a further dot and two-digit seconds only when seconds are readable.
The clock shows 5.49
